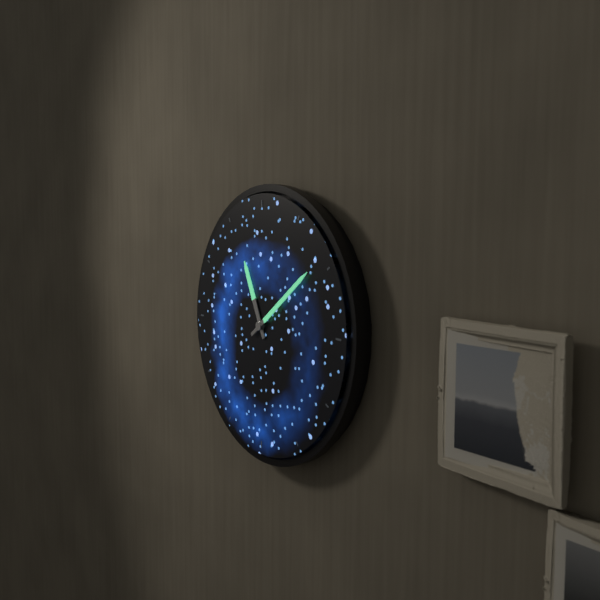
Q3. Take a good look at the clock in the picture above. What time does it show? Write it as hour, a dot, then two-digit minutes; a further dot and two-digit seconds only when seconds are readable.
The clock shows 11.09
